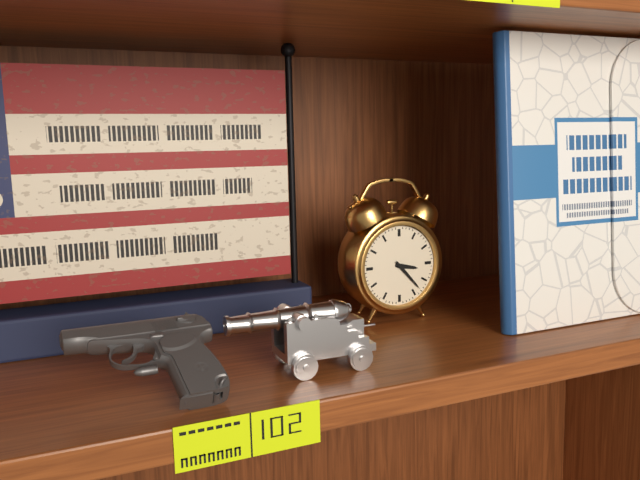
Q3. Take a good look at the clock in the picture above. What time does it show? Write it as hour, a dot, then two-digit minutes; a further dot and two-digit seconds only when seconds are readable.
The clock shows 3.23
